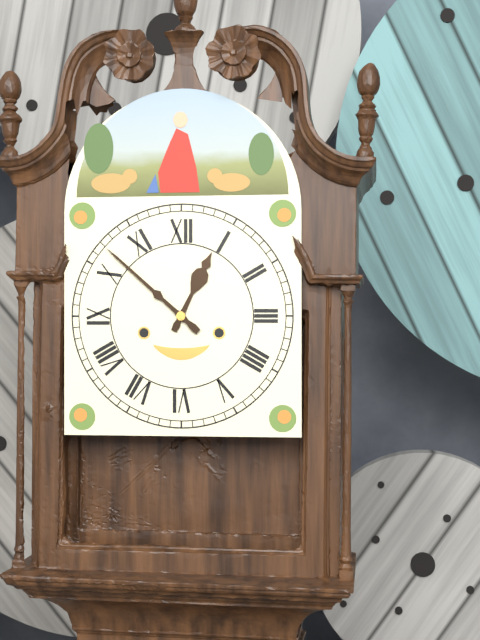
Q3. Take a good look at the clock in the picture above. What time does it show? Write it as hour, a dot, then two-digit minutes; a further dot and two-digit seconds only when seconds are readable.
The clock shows 12.52
